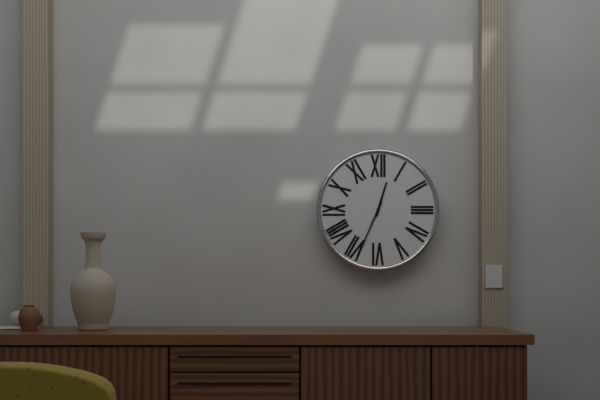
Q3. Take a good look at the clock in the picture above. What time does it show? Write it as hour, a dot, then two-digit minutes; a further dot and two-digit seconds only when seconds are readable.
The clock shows 12.34
